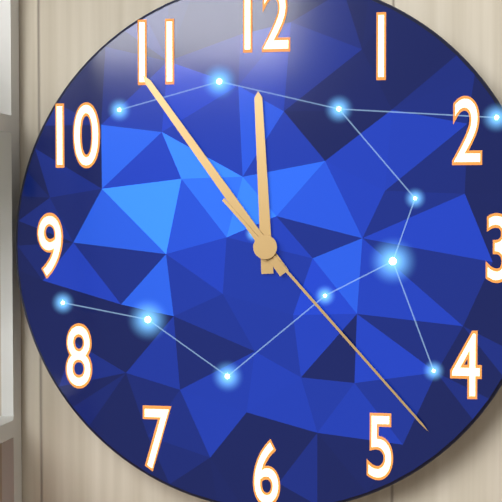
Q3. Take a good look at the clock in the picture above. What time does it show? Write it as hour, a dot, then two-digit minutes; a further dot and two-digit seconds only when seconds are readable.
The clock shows 11.54.23
